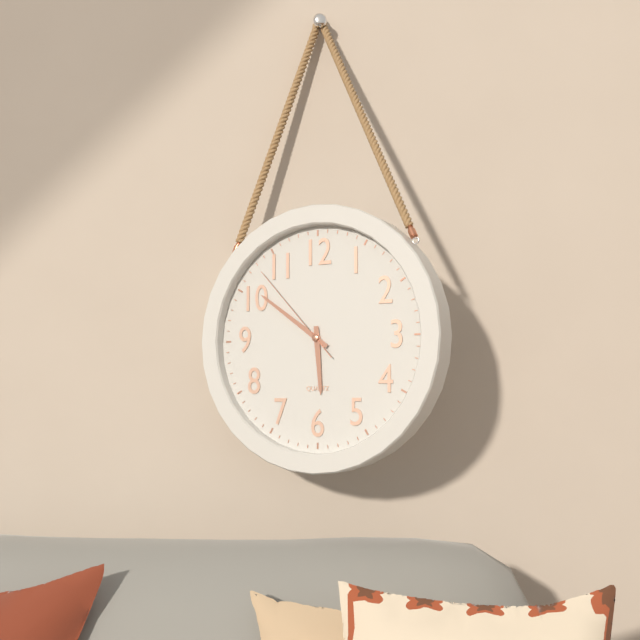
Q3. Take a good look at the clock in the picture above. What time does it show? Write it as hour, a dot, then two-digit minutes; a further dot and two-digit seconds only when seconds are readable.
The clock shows 5.51.53
